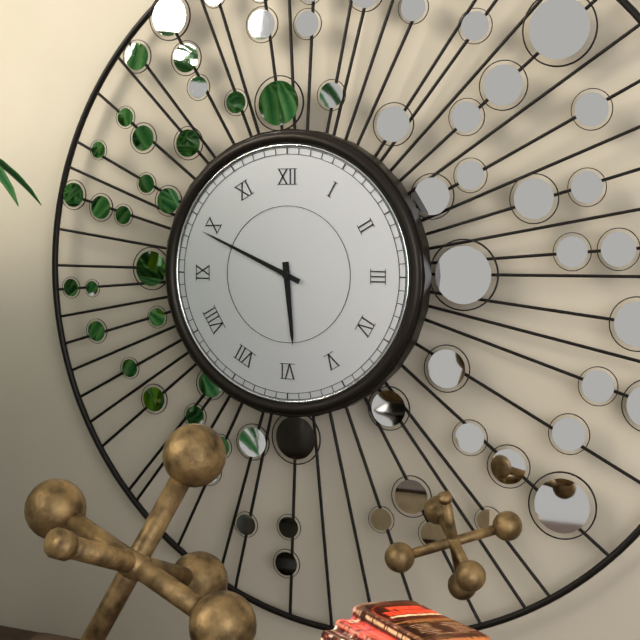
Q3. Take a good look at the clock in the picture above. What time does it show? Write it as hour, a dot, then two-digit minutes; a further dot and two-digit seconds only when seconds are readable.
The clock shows 5.49
